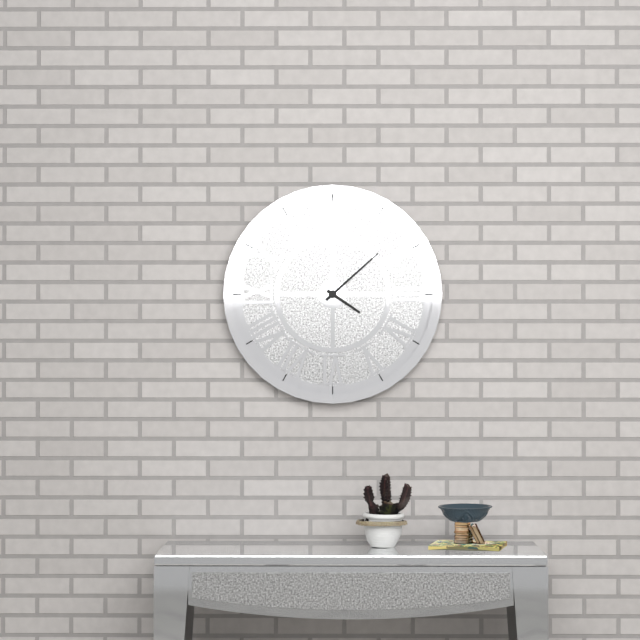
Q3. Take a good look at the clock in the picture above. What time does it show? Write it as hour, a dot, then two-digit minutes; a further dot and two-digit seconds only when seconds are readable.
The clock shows 4.08
